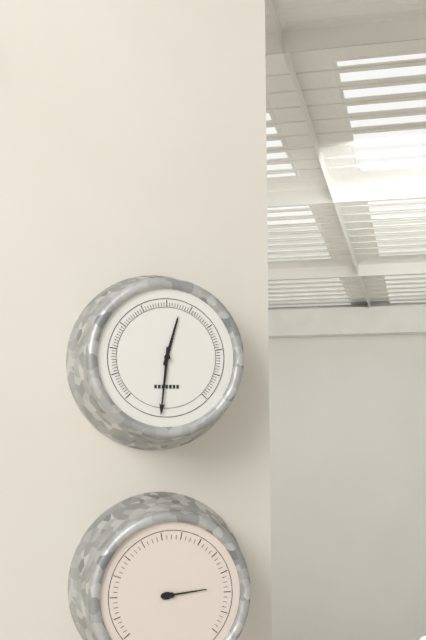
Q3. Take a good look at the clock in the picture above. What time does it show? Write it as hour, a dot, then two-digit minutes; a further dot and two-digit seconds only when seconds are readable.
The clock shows 12.31
